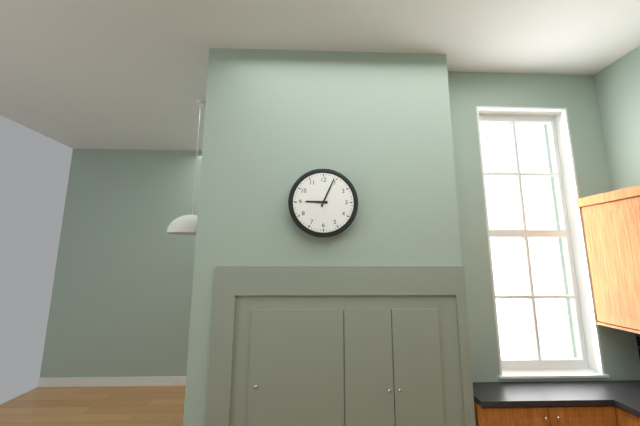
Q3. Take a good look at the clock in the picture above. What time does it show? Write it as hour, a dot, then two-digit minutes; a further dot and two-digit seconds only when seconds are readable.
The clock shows 9.04
